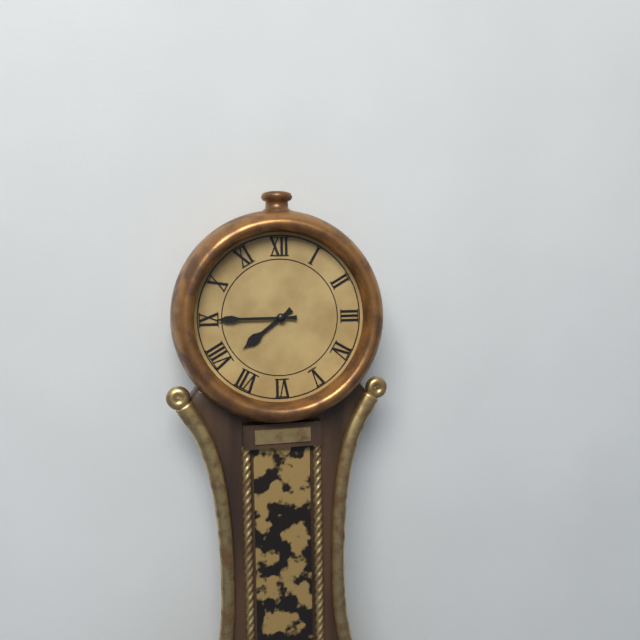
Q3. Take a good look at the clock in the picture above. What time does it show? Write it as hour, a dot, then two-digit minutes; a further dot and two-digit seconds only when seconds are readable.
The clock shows 7.45
